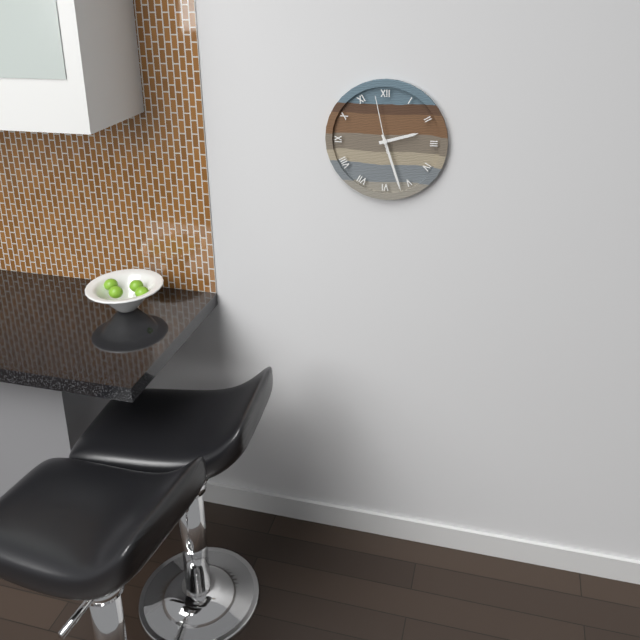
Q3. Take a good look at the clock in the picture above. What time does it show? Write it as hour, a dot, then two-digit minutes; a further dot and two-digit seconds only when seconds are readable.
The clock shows 2.27.58
